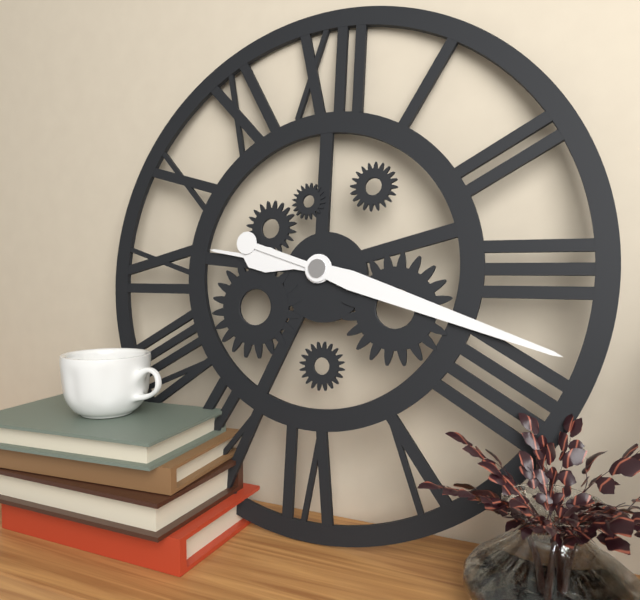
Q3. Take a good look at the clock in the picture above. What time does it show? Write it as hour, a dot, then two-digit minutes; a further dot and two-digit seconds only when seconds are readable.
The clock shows 9.18
